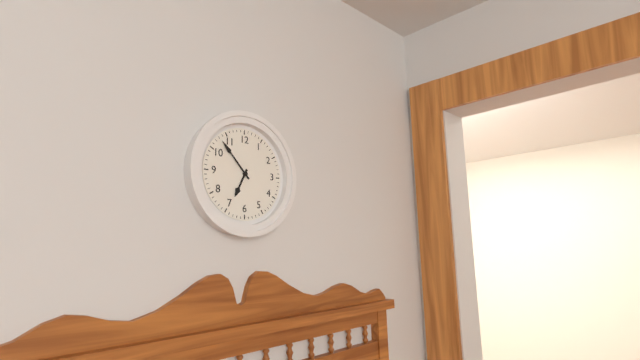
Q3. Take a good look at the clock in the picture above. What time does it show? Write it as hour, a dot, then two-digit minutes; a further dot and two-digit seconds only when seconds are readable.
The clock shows 6.53
